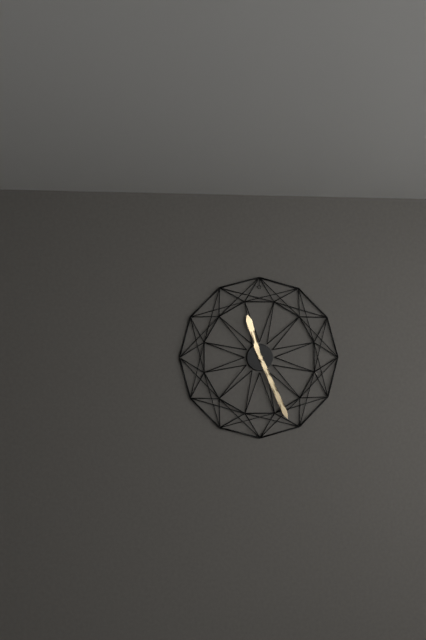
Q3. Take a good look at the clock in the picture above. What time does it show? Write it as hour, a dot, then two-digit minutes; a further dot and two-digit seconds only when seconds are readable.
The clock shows 11.26
